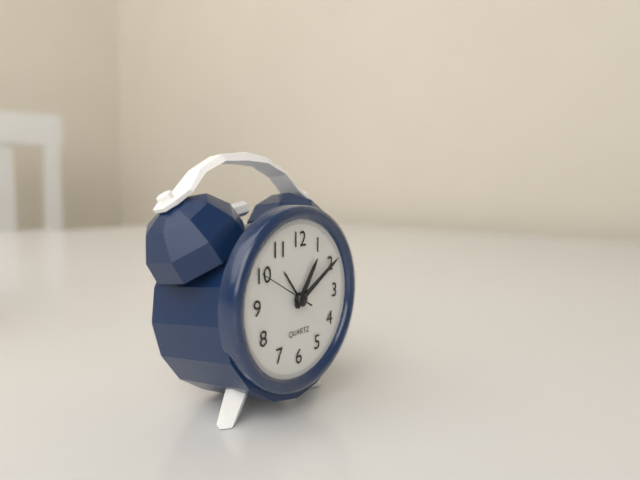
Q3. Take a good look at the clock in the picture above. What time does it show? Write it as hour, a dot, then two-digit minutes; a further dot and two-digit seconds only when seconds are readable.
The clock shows 1.10.50
